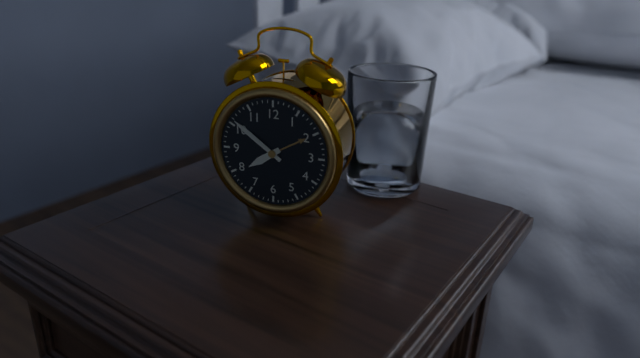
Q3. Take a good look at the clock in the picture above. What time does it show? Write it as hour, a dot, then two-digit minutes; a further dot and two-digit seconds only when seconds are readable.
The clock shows 7.51
